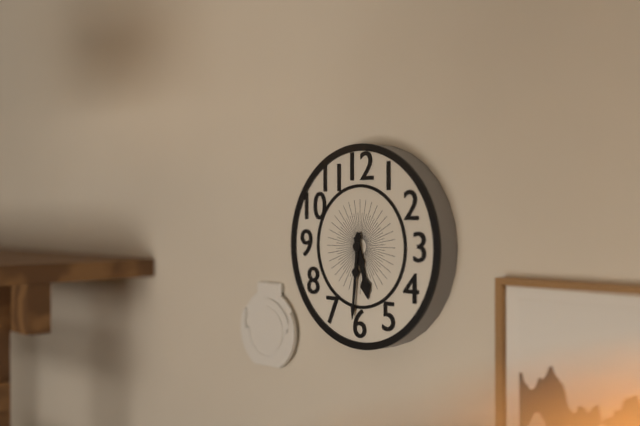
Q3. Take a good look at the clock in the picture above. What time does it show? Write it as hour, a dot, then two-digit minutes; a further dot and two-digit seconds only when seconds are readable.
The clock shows 5.31
